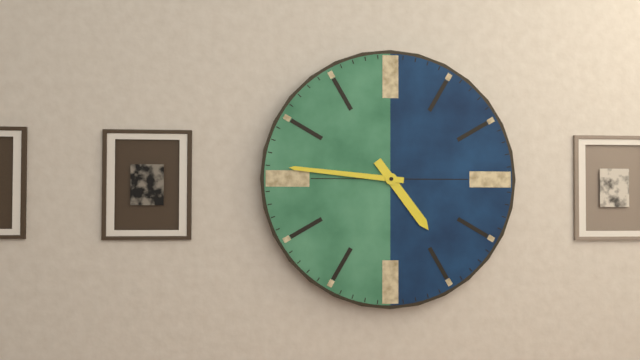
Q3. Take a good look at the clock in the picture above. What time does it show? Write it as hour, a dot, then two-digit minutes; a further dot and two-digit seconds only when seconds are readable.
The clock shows 4.46
